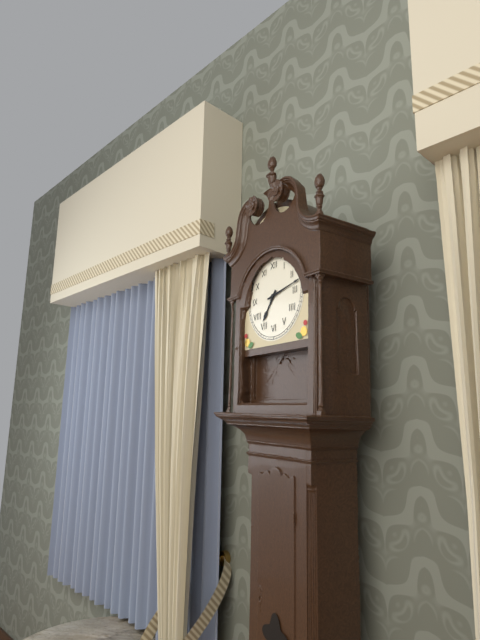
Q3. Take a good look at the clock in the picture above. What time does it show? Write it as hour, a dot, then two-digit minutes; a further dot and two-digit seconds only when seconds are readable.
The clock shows 7.13
